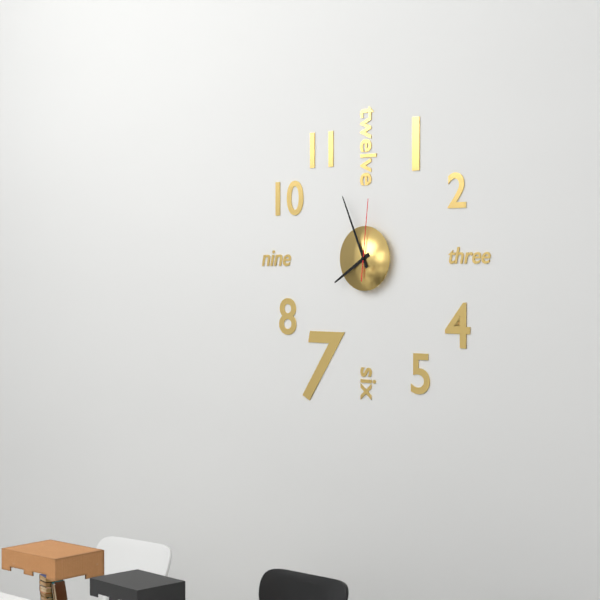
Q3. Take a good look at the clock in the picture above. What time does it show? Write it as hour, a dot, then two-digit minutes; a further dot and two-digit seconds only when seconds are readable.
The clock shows 7.56.01
